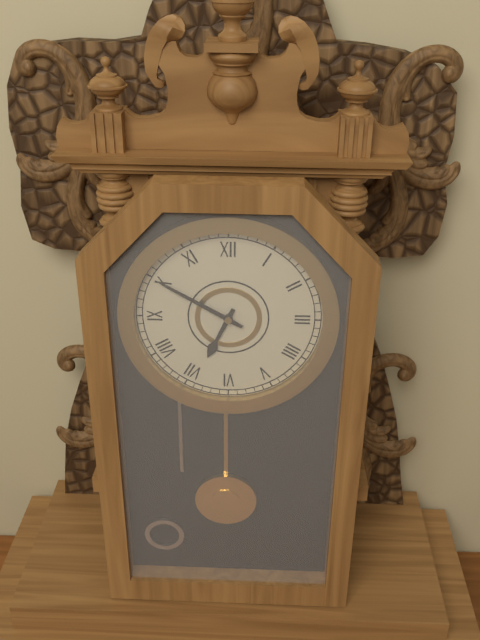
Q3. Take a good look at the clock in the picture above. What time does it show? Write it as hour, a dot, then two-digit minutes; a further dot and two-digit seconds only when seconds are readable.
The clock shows 6.50
